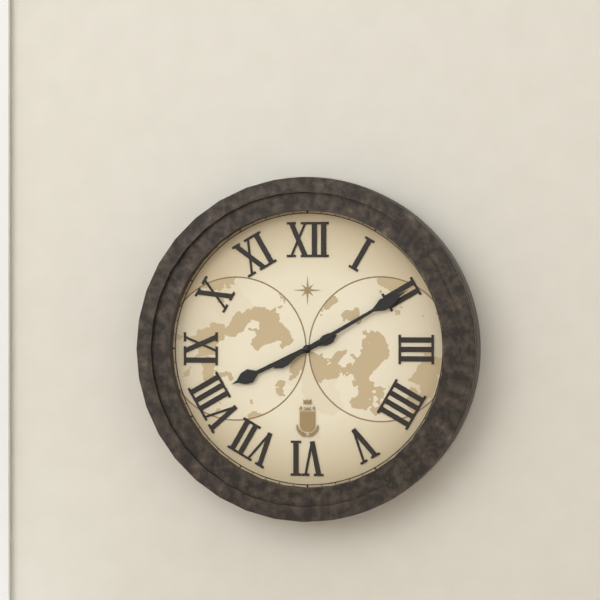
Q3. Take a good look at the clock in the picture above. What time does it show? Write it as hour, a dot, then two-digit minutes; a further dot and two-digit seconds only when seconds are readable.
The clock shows 8.10
